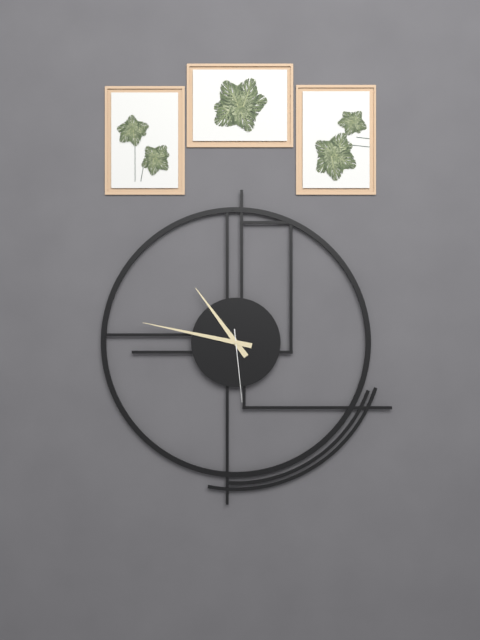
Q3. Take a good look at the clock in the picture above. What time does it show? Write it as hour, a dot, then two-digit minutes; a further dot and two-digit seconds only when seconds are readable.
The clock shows 10.47.29
